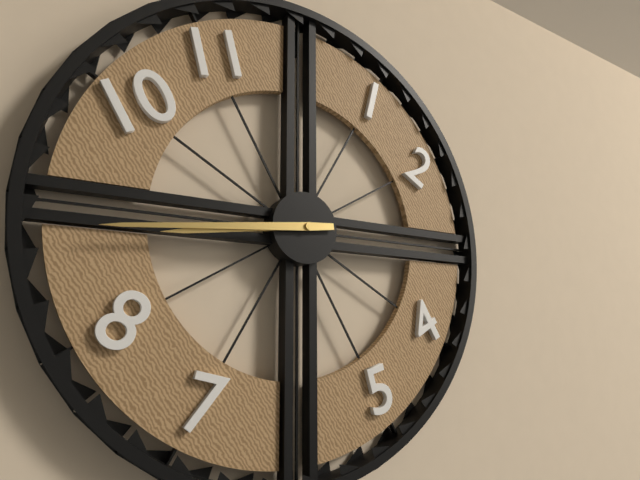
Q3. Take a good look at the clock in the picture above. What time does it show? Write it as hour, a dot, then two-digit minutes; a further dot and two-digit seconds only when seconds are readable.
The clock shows 8.44
